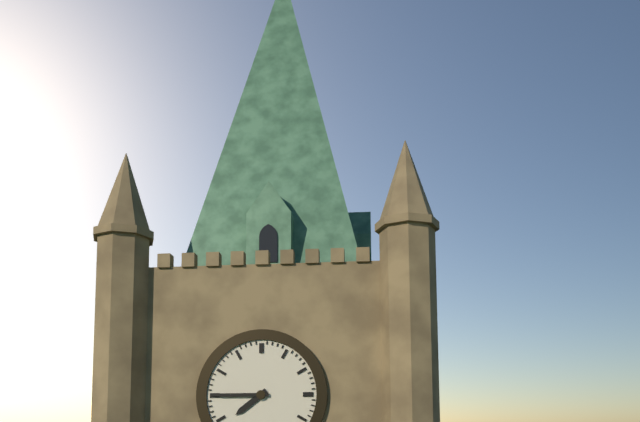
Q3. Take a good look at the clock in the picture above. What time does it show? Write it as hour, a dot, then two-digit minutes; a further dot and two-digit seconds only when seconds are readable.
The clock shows 7.45
